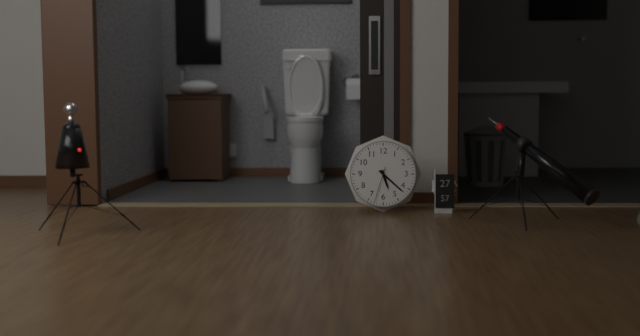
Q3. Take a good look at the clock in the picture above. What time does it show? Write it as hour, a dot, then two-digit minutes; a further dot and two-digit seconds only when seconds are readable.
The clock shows 5.22
